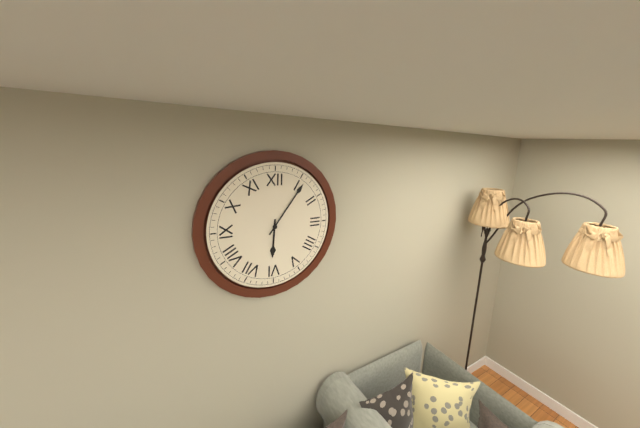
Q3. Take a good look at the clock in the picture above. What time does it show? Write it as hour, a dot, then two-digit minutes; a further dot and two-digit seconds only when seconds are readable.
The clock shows 6.06
